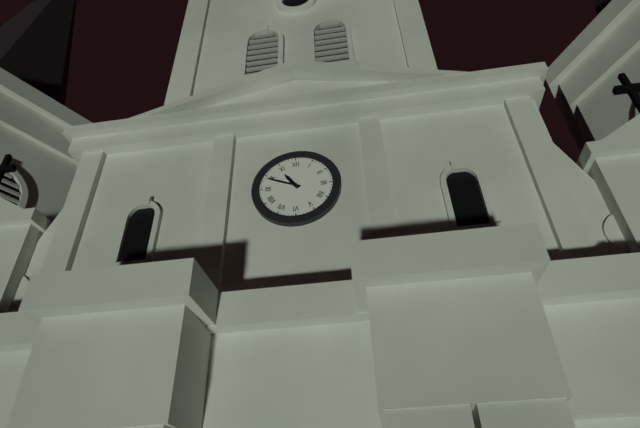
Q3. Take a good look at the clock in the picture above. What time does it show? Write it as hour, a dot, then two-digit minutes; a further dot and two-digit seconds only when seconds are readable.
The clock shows 10.49
